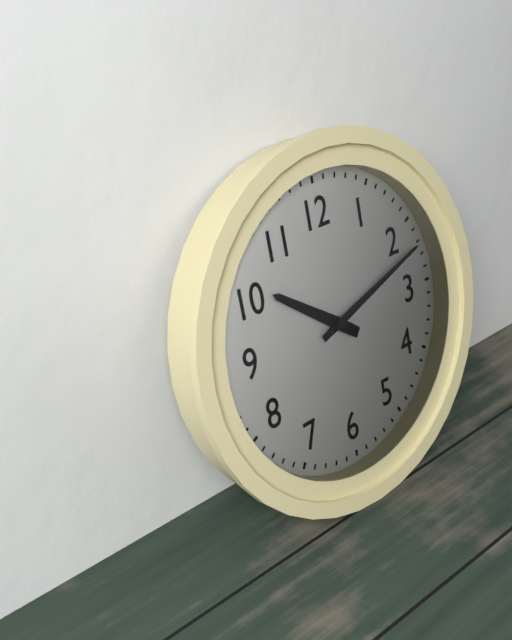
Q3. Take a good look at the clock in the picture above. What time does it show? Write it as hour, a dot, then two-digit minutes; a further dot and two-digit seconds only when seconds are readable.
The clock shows 10.12
